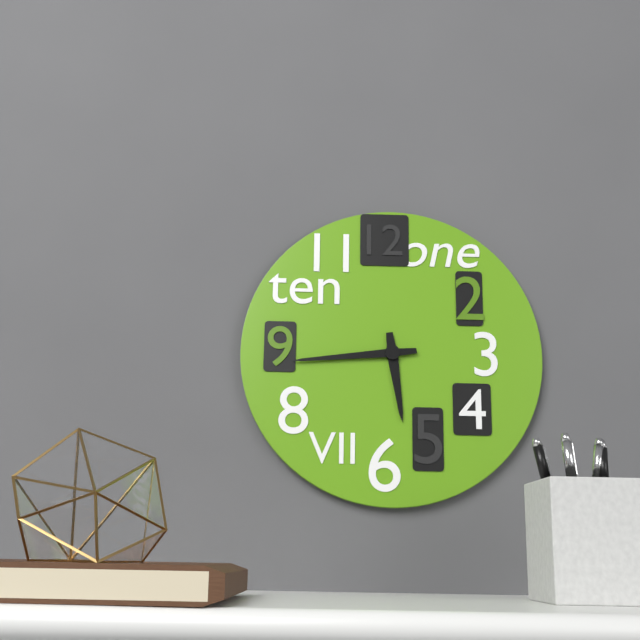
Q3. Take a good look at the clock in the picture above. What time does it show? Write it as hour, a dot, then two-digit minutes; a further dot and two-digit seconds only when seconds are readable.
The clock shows 5.44
